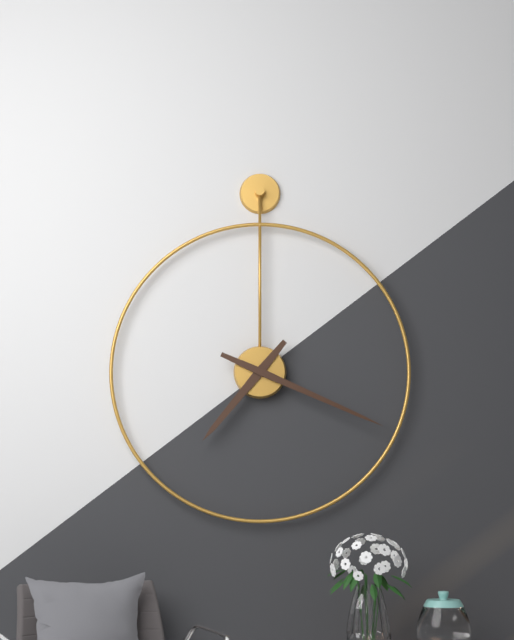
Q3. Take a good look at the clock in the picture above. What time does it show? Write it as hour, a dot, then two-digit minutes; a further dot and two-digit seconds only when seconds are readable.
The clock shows 7.19
